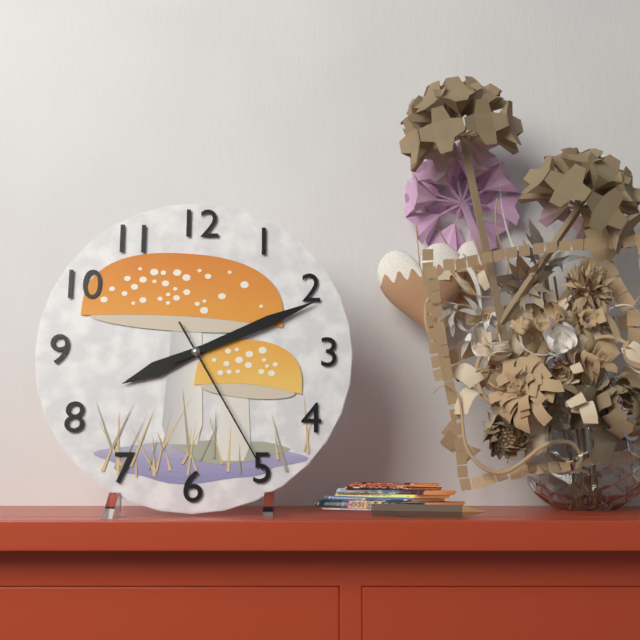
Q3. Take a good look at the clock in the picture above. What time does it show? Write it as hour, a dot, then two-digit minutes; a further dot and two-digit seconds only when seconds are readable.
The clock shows 8.11.25
